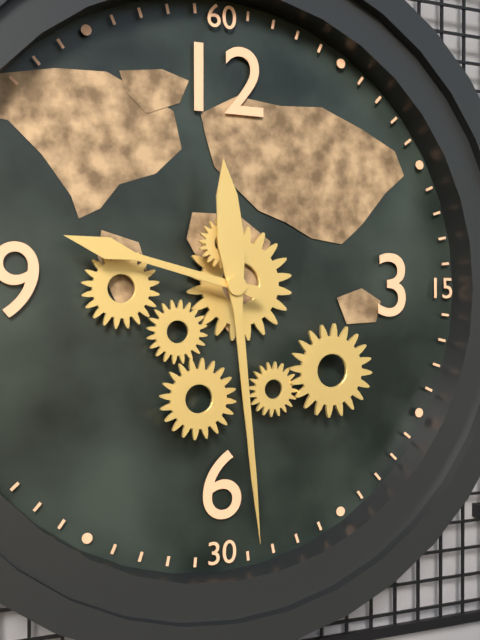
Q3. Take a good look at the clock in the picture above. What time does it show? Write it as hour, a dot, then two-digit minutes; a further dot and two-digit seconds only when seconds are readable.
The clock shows 9.29
